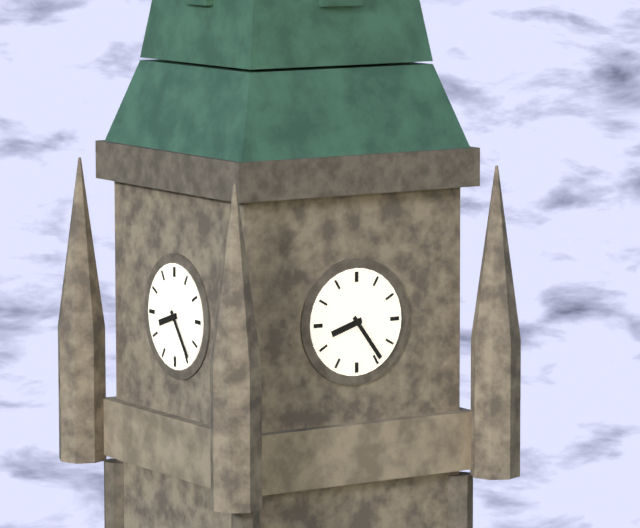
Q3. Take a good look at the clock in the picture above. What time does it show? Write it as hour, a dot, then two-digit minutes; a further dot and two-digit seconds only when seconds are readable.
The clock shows 8.24
